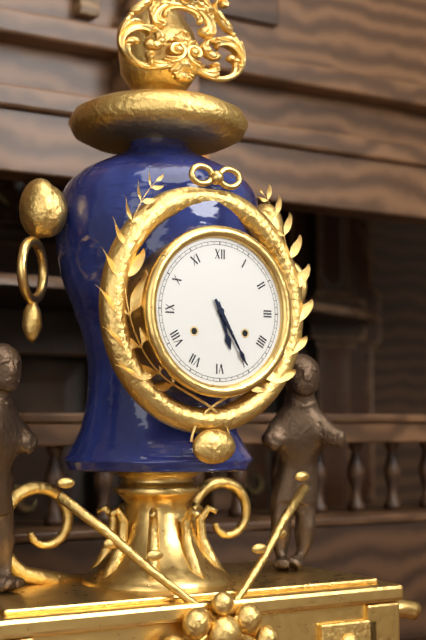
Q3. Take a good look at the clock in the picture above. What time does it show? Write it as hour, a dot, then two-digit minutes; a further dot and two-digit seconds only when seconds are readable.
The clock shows 5.25
